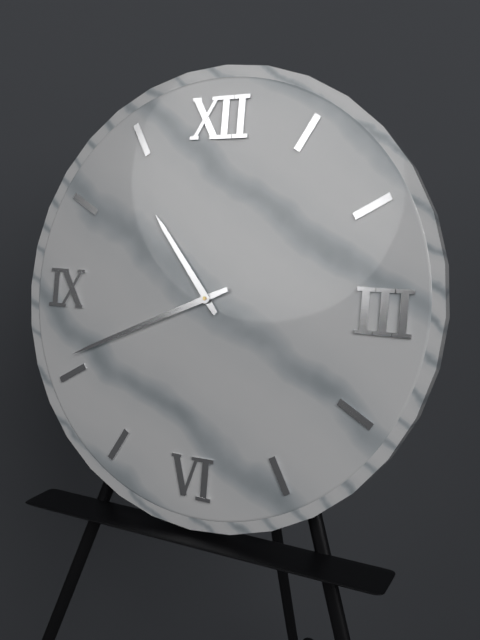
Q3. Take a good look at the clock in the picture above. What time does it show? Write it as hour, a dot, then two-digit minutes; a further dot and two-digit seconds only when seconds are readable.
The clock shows 10.41
